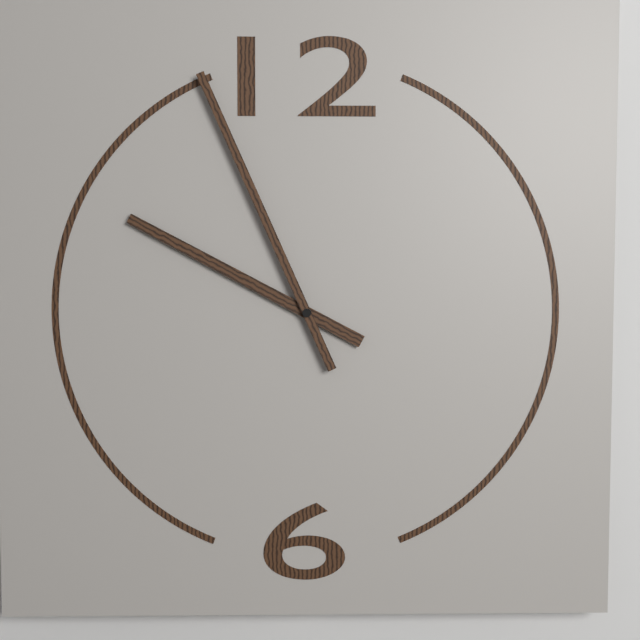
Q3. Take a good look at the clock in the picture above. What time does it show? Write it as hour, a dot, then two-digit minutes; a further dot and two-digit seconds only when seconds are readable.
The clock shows 9.56
